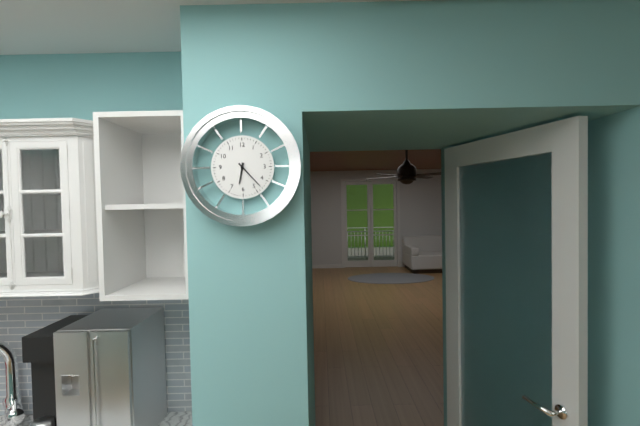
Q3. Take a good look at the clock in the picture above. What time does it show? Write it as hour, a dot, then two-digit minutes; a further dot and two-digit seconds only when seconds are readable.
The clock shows 6.23
